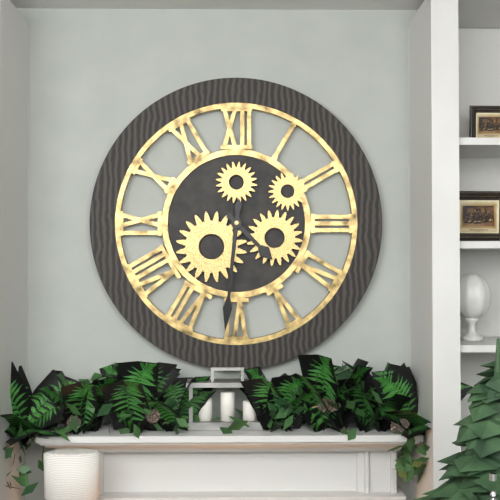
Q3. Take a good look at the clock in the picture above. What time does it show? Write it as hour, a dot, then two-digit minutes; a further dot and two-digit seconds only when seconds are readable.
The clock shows 4.31
